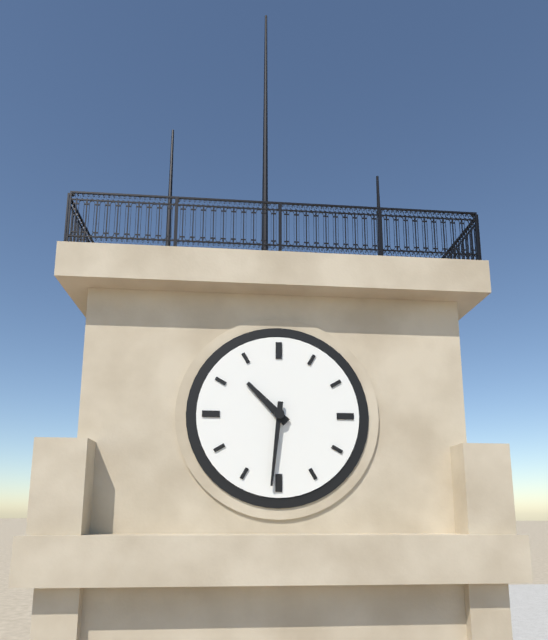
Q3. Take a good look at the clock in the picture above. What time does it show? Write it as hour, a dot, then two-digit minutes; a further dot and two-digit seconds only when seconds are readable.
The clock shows 10.31
